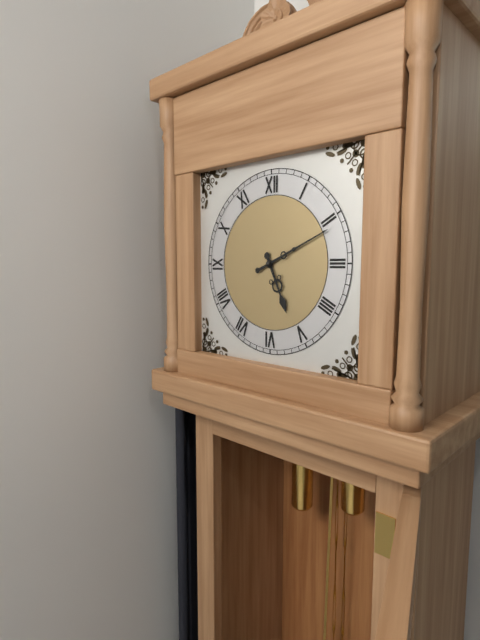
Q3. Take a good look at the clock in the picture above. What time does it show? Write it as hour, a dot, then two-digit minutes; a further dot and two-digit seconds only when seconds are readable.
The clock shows 5.11
